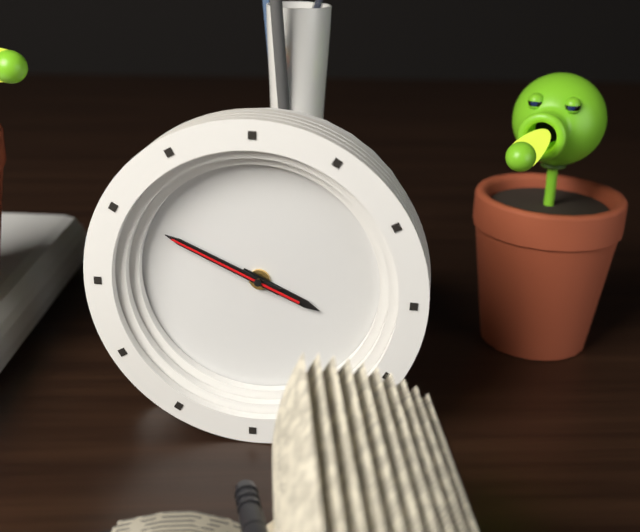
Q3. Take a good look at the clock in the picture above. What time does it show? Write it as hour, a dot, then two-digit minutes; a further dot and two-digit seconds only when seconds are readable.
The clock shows 3.49.49
